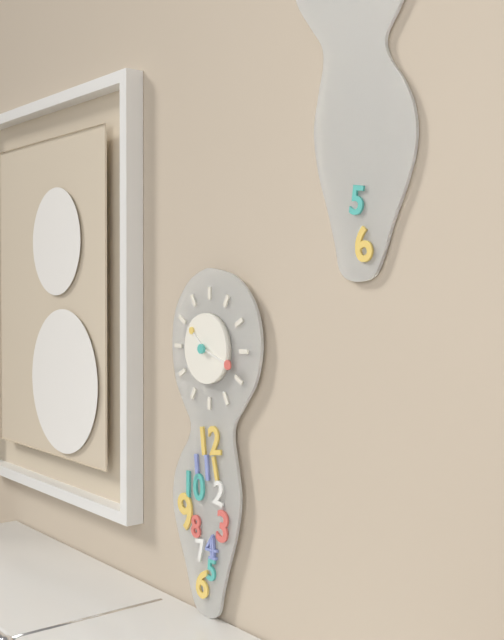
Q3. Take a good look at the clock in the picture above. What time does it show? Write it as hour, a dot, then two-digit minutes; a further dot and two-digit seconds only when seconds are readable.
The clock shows 10.18
